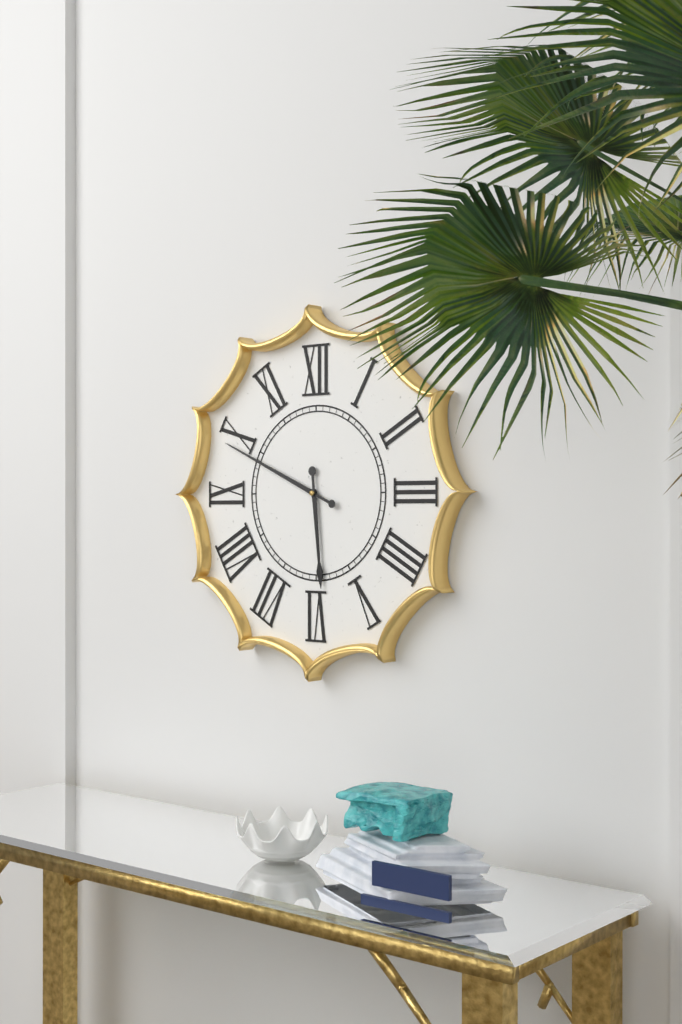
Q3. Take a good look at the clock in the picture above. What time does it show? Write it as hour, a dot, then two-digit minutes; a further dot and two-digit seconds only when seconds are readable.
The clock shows 5.49
